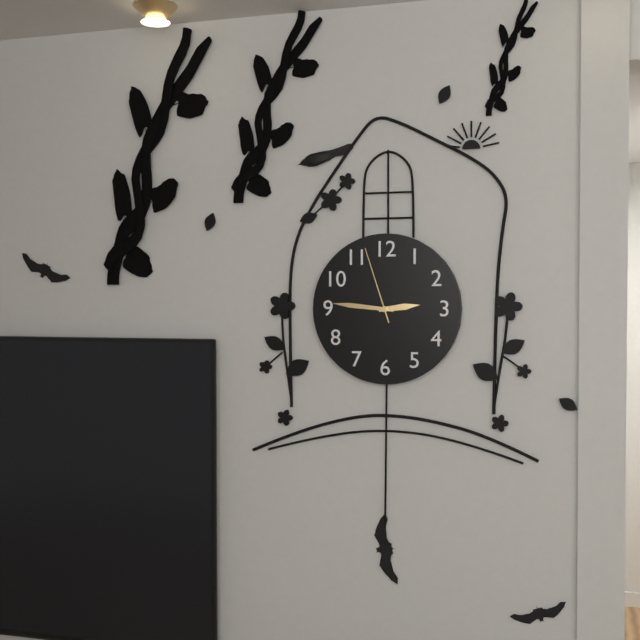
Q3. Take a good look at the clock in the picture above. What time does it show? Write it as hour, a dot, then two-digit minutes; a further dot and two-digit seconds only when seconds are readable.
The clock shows 2.46.57
